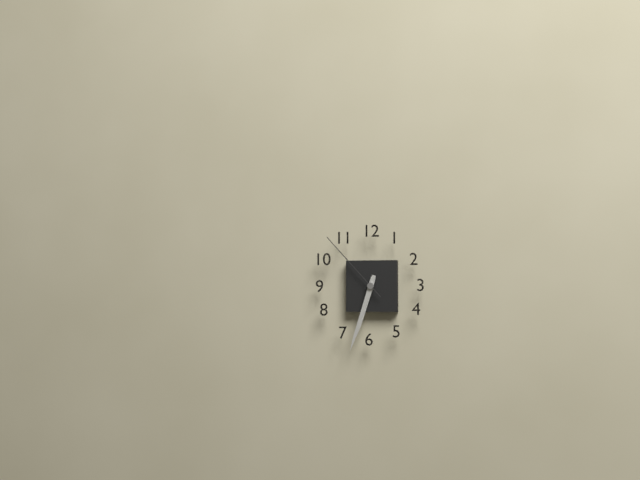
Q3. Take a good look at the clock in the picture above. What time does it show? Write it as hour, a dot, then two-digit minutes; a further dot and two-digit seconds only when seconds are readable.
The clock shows 6.33.53
